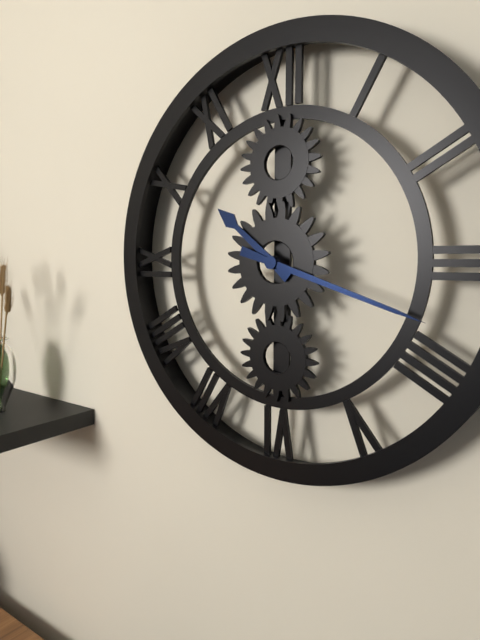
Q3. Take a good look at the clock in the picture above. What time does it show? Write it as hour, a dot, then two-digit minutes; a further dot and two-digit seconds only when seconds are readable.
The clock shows 10.18
